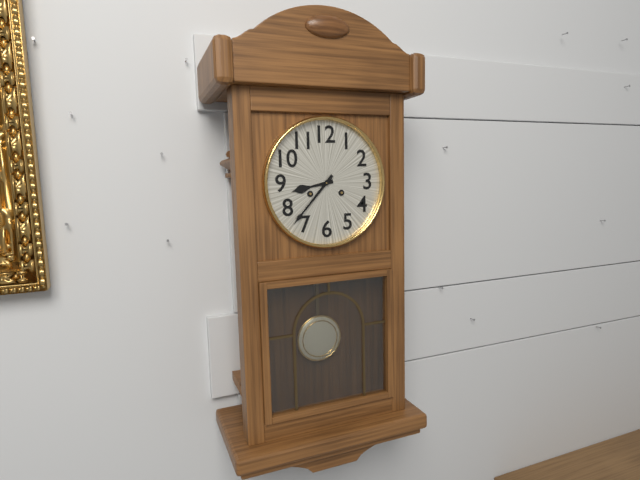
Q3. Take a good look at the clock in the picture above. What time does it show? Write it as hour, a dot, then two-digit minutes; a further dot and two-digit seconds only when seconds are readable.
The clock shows 8.37
